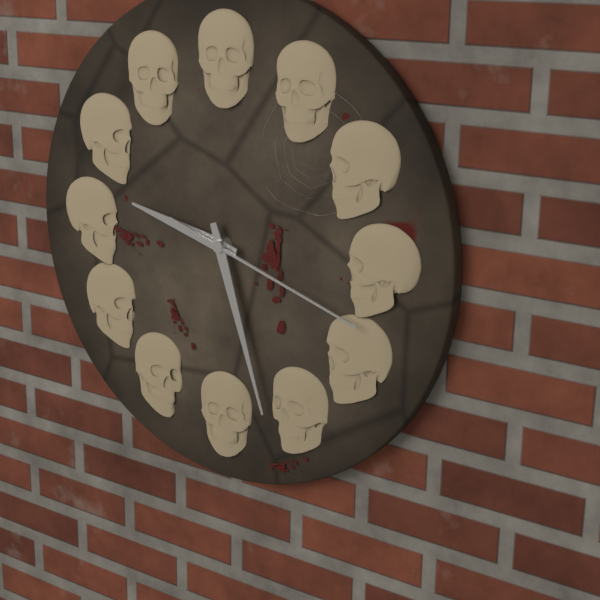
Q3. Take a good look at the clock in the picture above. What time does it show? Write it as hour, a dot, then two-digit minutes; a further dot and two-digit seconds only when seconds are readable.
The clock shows 9.27.18
